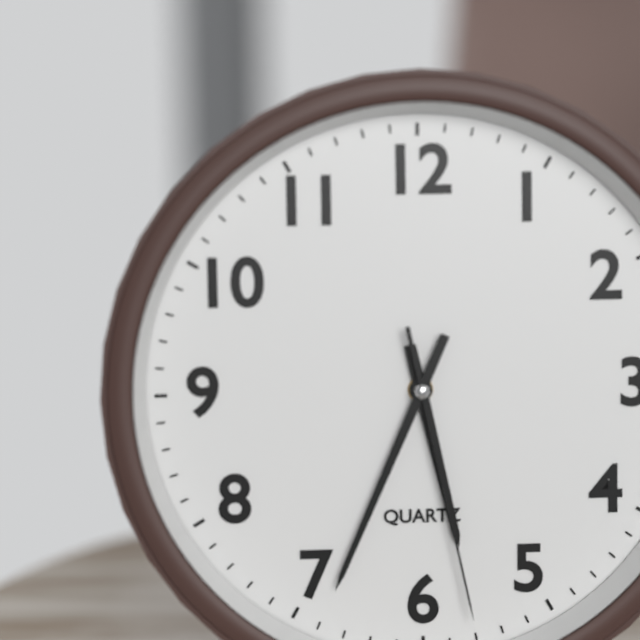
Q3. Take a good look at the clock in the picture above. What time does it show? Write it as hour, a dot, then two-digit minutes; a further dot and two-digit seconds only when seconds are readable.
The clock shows 5.34.28
